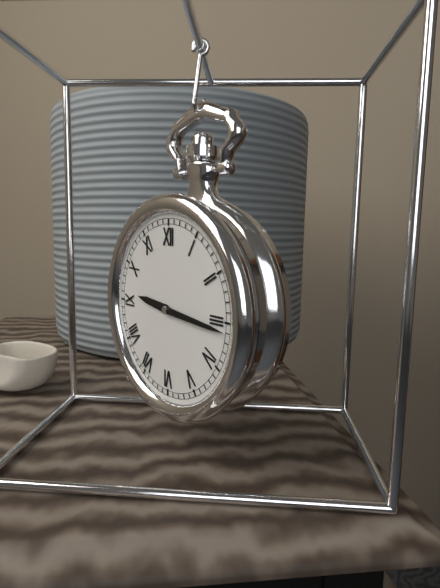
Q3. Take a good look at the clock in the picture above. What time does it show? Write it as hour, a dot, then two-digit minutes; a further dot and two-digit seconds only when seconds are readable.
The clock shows 9.16
